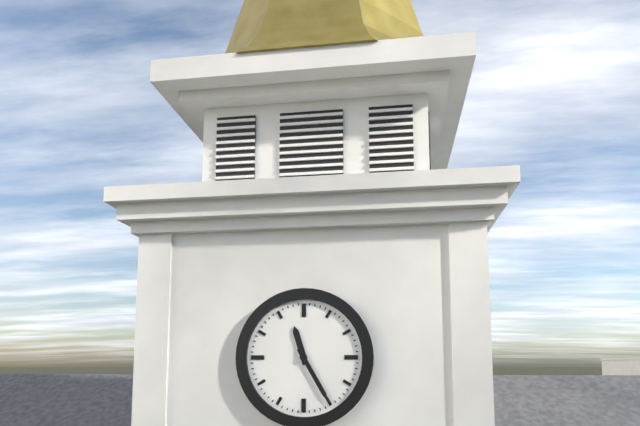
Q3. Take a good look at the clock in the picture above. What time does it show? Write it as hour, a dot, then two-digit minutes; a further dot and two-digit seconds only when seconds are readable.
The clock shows 11.25
